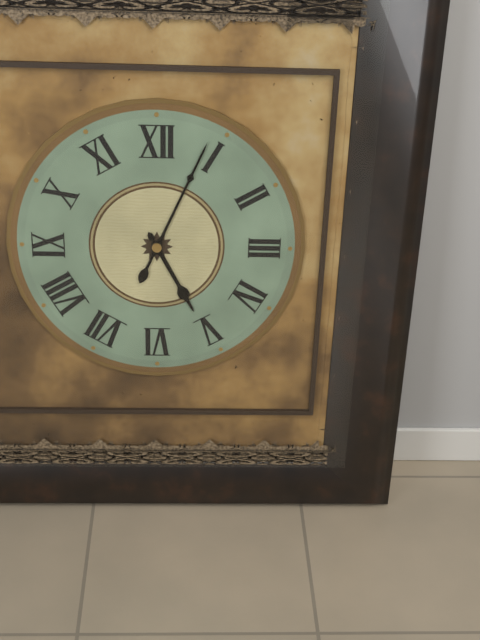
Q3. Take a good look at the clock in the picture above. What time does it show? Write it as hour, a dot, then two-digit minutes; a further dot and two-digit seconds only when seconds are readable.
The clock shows 5.04
